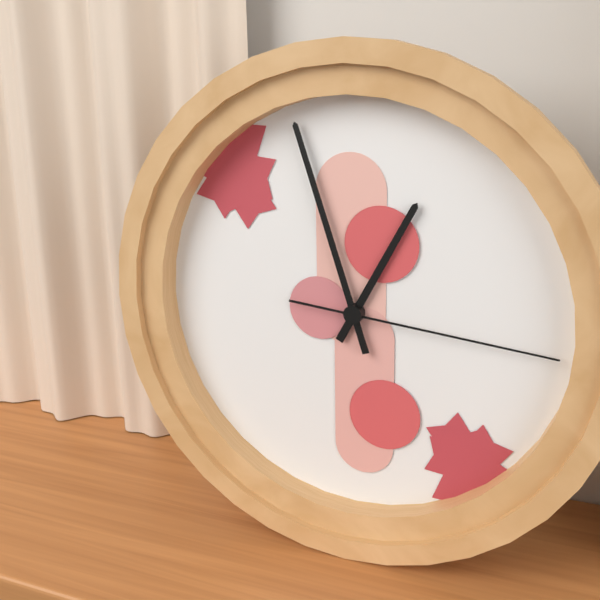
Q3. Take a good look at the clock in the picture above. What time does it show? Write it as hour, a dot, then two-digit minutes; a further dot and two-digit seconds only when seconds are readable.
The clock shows 12.57.16
